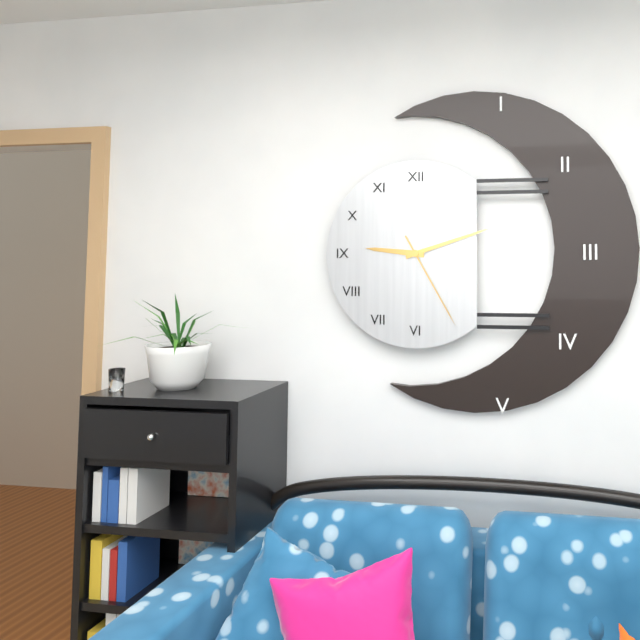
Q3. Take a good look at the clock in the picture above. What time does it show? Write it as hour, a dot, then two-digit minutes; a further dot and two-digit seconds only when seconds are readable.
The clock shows 9.12.25
